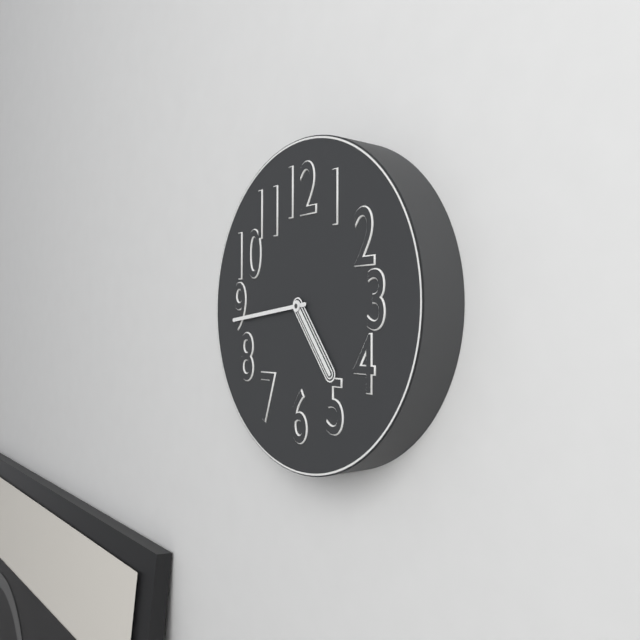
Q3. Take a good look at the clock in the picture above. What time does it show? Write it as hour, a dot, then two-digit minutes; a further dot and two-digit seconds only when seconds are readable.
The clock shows 4.44
